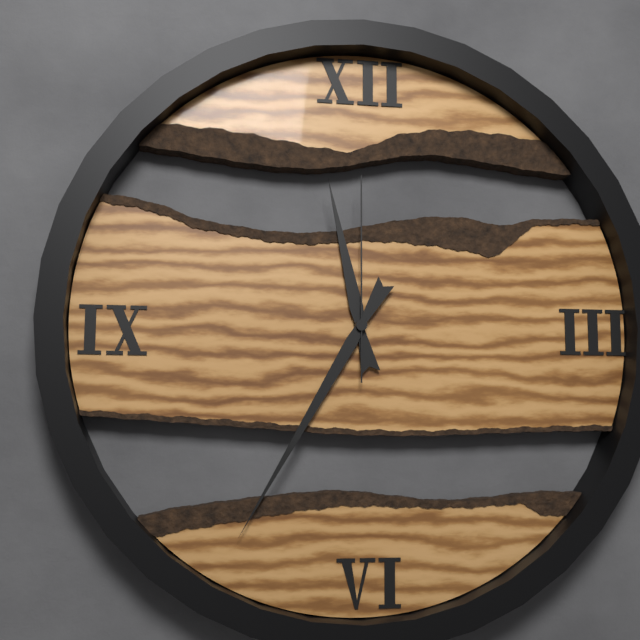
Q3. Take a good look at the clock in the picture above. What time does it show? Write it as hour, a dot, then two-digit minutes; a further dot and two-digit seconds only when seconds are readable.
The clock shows 11.35.00
